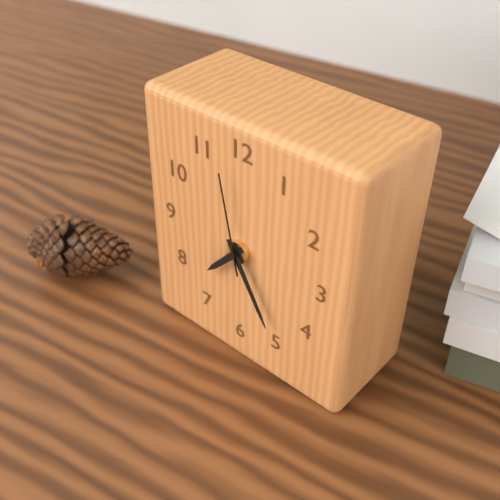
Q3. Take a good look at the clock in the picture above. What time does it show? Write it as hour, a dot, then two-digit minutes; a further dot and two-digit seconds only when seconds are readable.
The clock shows 7.25.58
